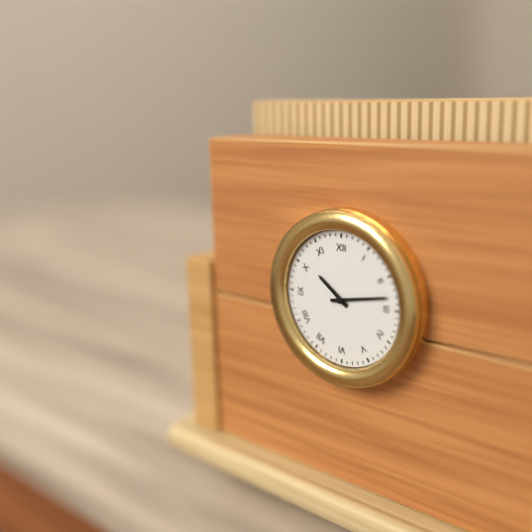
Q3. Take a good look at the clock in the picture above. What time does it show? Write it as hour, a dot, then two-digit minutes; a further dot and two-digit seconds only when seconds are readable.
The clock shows 10.13
